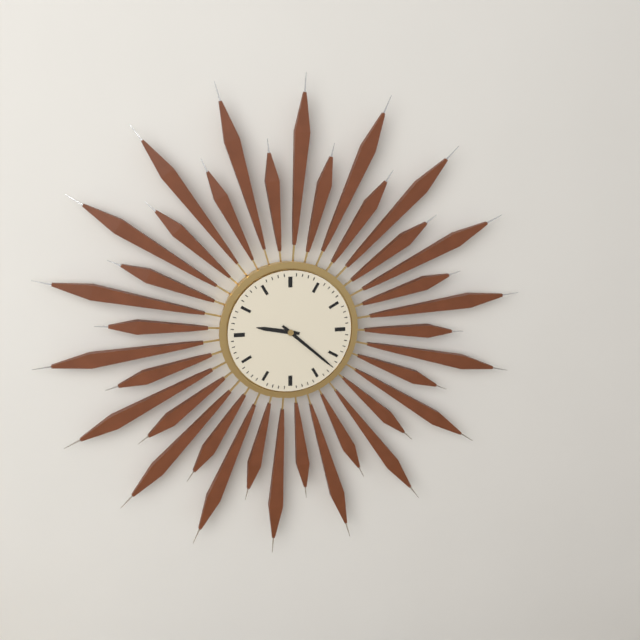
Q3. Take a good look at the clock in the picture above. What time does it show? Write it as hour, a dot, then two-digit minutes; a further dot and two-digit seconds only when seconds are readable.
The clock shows 9.22
